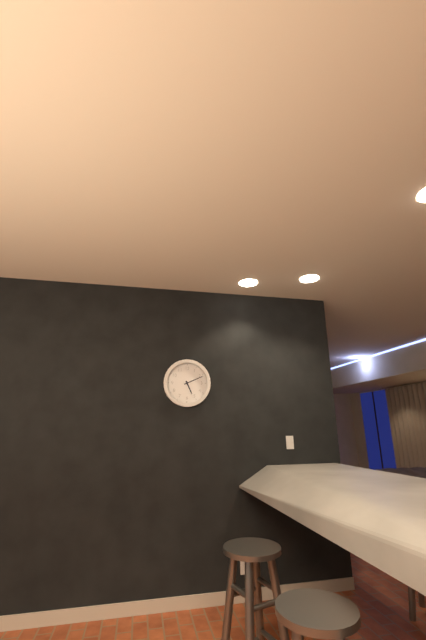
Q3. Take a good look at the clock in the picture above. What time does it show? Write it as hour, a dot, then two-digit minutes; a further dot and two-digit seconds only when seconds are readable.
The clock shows 5.11
